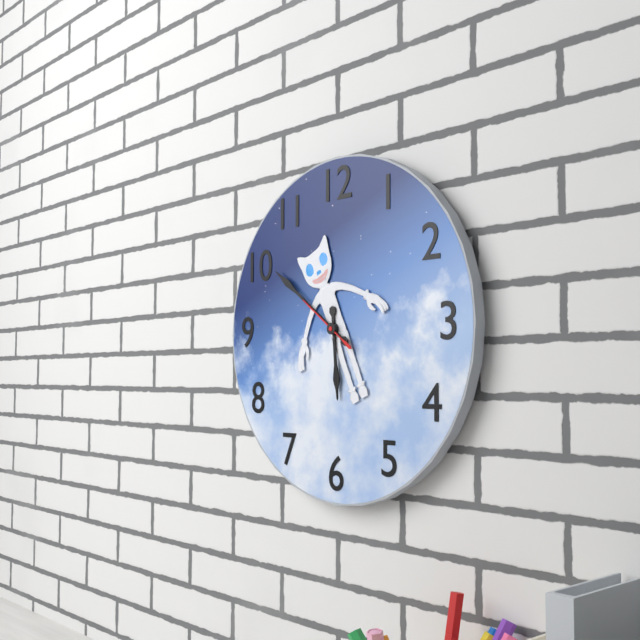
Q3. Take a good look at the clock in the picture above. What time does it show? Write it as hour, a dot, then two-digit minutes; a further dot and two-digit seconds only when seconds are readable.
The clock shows 5.51.51
